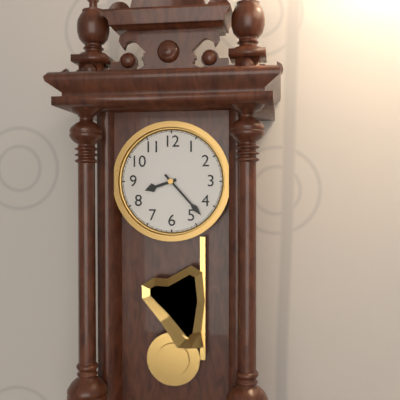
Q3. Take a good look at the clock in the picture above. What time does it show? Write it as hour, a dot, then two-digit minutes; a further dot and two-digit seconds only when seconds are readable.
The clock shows 8.23
